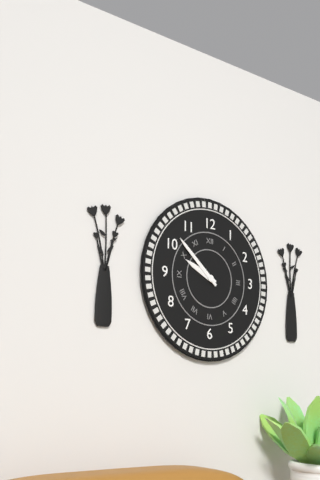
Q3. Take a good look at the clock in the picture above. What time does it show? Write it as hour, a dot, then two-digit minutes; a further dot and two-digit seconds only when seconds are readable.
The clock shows 9.52
